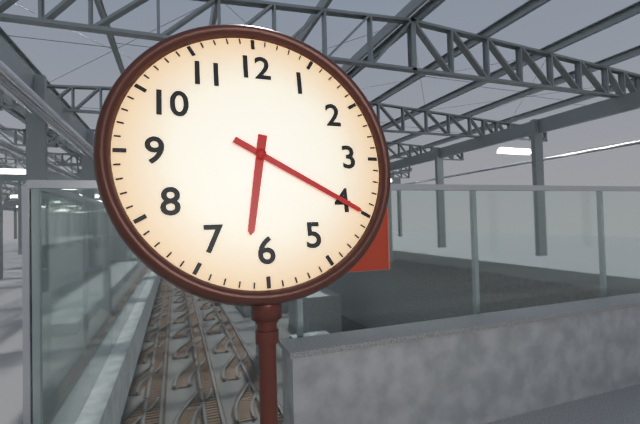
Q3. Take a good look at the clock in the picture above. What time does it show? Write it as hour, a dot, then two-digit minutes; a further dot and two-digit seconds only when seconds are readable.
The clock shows 6.20
